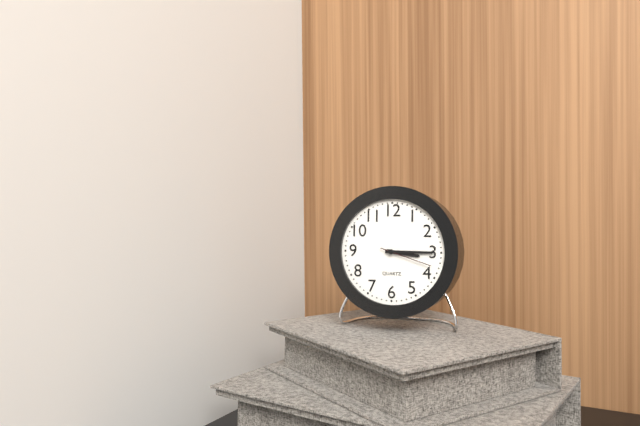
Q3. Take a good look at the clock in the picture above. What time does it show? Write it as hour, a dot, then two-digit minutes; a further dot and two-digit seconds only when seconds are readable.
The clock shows 3.15.18
